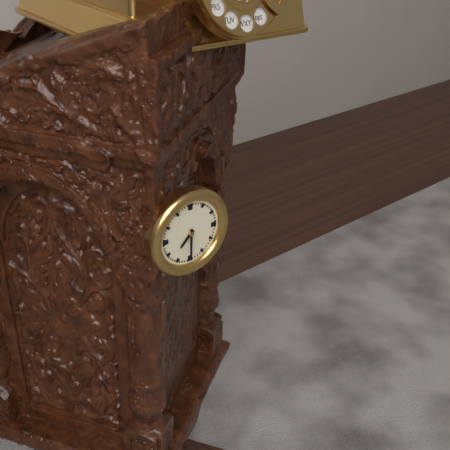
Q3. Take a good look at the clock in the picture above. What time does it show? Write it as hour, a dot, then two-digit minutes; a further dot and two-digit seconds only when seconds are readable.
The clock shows 7.30
